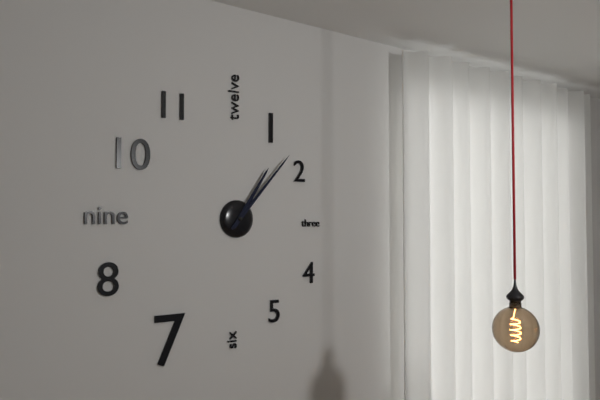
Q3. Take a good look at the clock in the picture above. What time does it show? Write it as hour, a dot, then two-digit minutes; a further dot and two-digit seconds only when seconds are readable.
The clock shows 1.07
